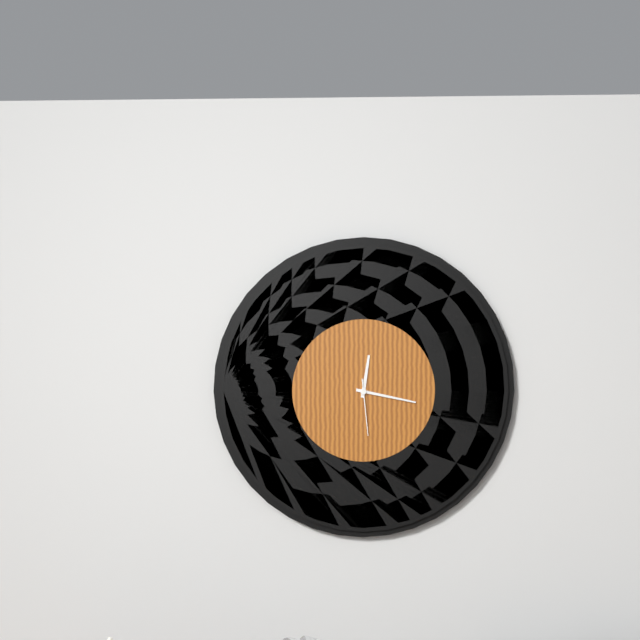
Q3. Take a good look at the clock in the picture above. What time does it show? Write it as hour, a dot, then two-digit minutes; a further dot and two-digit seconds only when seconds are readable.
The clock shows 12.17.29
